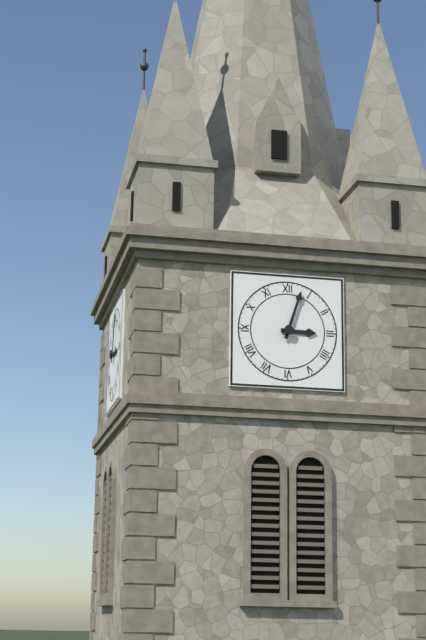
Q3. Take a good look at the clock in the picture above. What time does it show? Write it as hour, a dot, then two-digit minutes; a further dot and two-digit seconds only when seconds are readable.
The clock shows 3.03
